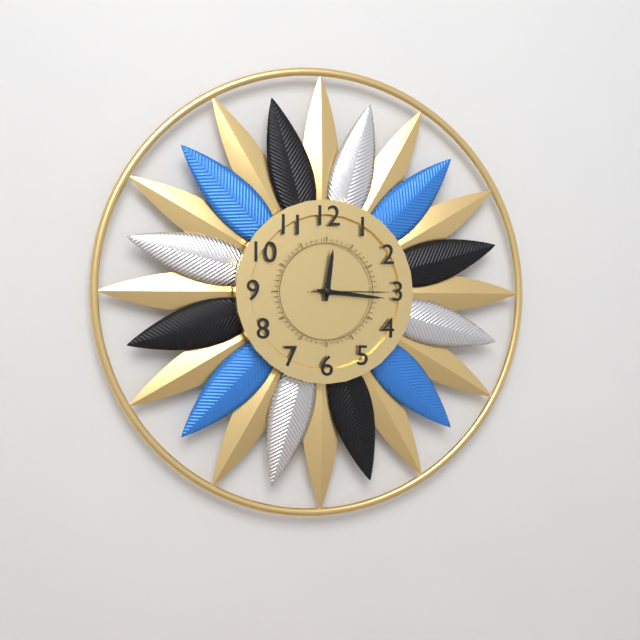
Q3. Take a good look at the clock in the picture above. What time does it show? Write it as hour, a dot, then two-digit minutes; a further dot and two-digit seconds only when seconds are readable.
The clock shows 12.16.15
